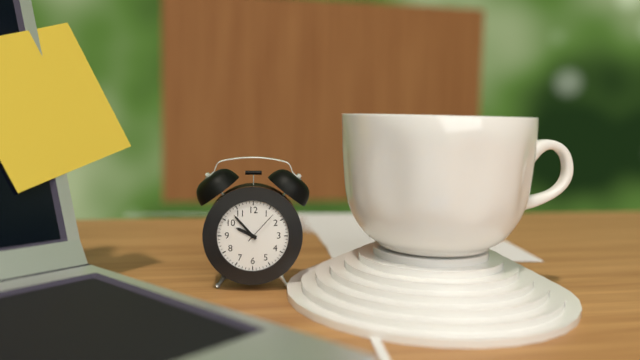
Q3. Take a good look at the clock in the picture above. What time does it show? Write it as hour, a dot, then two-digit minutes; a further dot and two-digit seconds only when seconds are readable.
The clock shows 9.53
